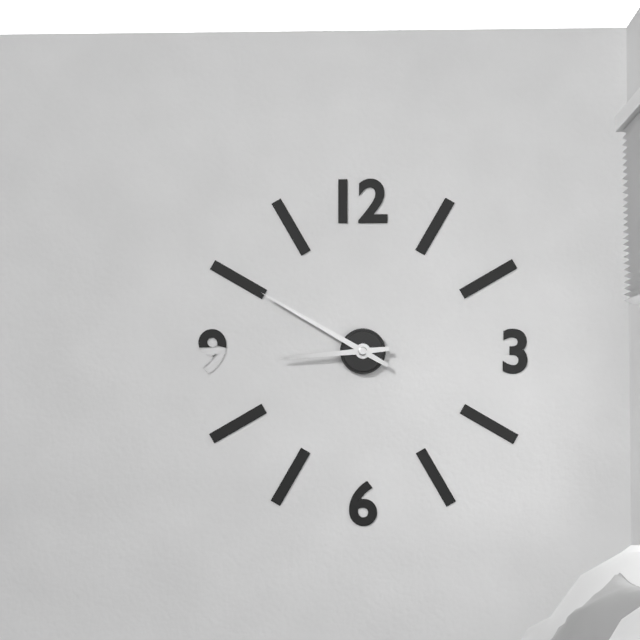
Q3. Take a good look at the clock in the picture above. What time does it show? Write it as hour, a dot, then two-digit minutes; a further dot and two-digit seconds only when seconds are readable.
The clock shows 8.50
